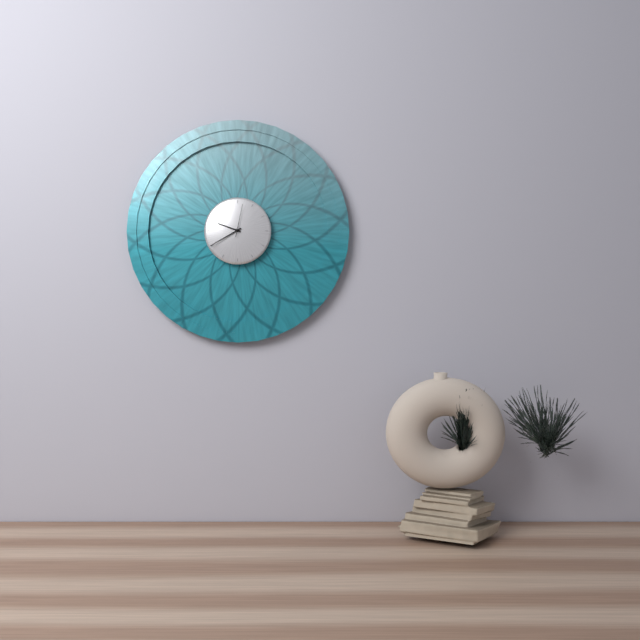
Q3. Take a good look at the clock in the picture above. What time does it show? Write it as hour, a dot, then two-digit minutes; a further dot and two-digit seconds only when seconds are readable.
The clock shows 9.40
